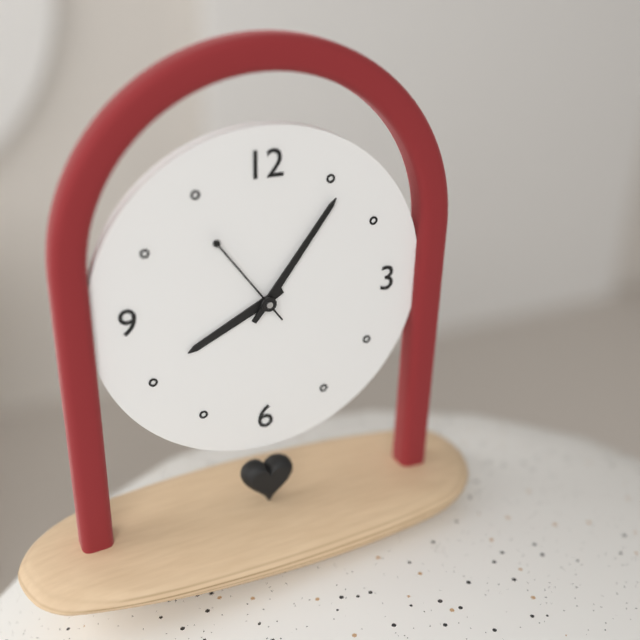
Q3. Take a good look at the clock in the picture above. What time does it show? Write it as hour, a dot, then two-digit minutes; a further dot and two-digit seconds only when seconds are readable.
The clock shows 8.06.54
